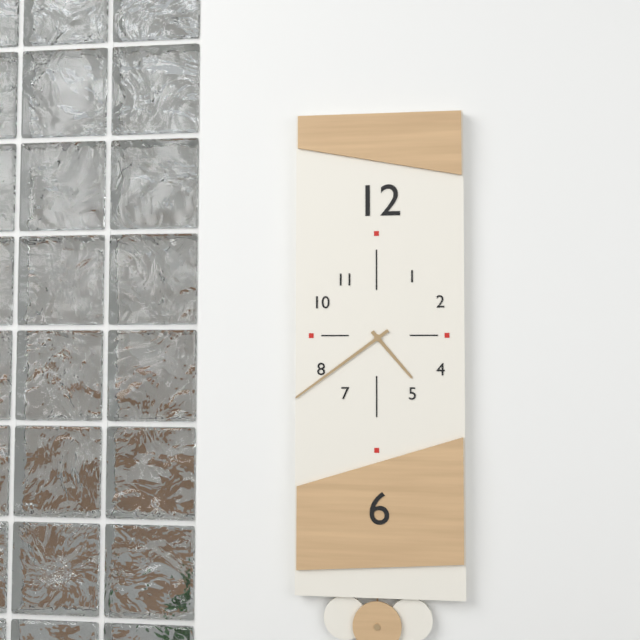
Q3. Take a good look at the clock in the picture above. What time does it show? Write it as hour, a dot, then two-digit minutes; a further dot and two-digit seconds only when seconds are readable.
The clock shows 4.39
